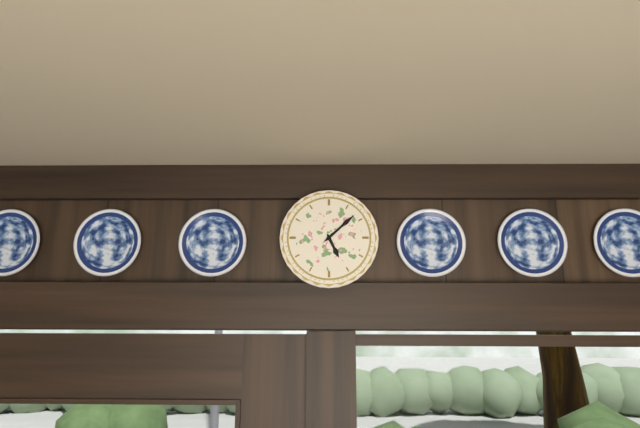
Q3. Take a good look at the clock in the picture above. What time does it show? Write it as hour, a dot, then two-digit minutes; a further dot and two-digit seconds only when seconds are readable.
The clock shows 5.08
